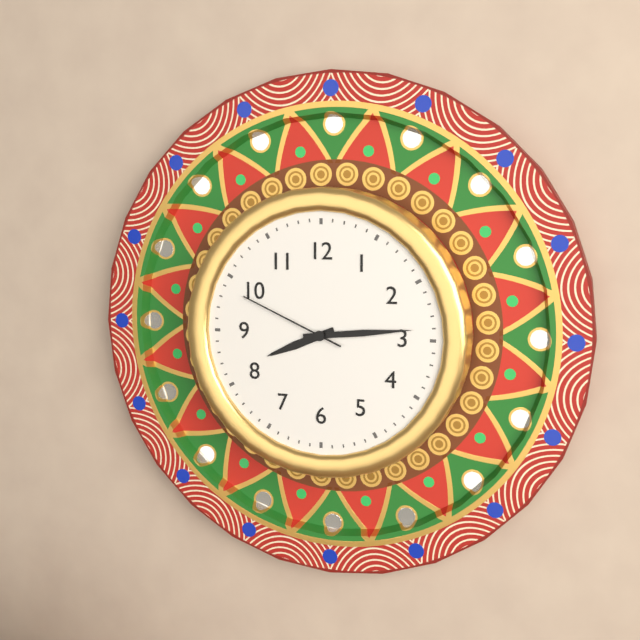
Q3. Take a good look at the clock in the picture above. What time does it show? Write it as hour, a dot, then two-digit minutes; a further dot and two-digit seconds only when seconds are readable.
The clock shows 8.14.49
